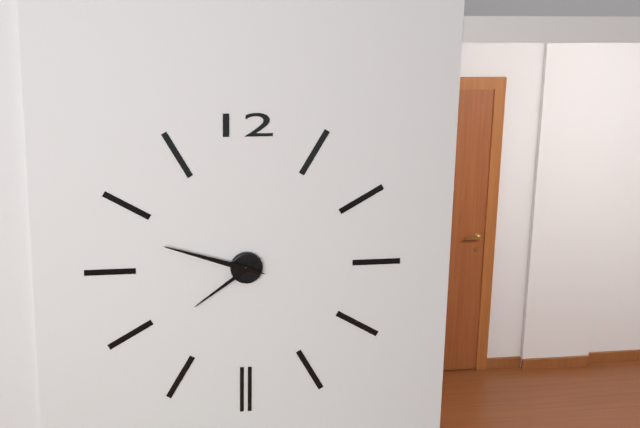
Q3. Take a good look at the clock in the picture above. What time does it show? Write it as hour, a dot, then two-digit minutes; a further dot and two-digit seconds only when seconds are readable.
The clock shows 7.48
